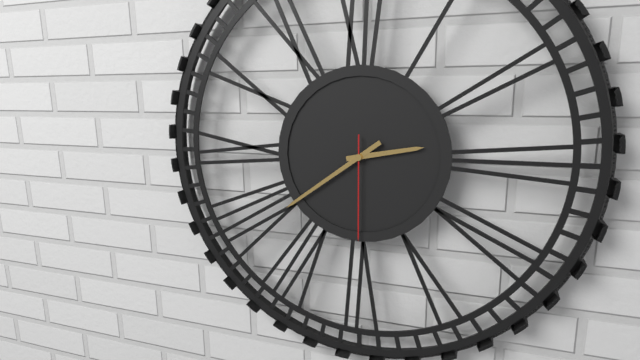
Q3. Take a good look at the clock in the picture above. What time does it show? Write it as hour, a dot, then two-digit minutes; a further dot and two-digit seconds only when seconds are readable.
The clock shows 2.39.30
